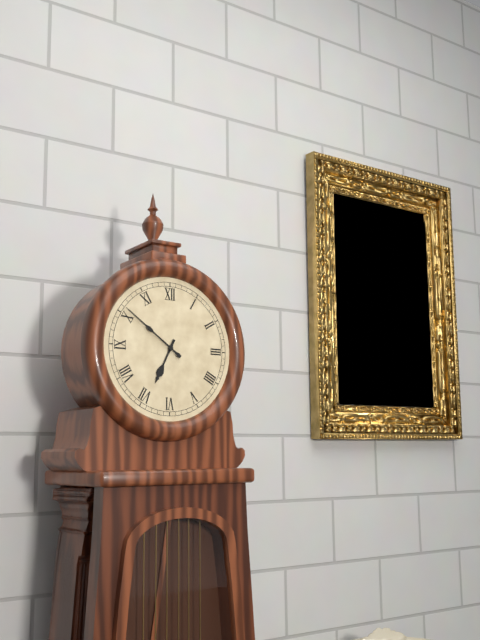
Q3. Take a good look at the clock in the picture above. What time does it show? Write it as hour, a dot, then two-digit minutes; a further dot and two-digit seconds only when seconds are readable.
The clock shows 6.51
